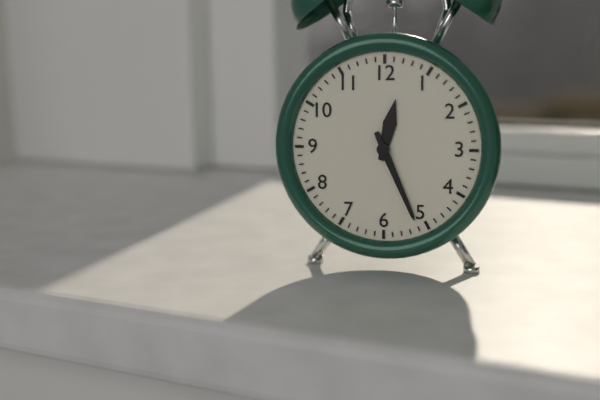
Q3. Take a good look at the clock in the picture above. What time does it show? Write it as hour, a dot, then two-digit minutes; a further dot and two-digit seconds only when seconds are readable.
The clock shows 12.26
